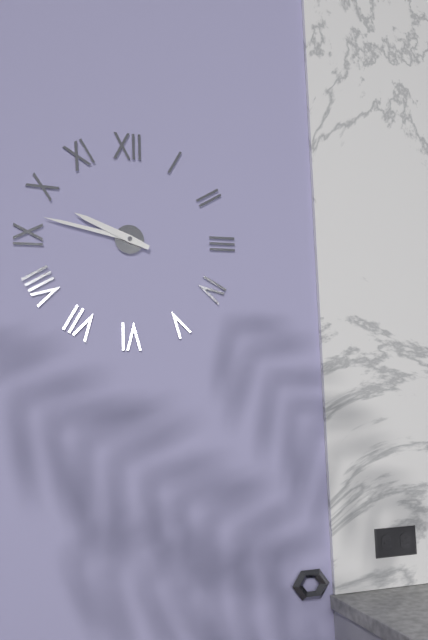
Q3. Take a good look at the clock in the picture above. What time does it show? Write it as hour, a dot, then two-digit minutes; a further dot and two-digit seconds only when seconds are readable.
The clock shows 9.47
